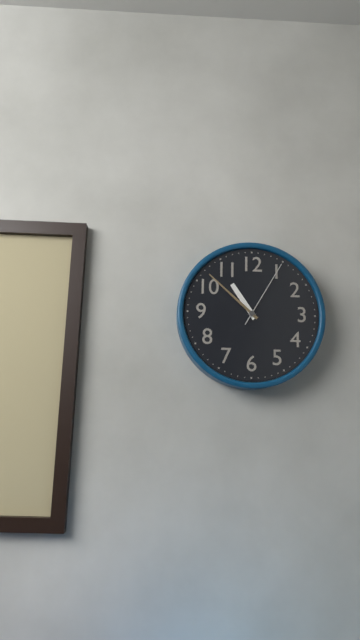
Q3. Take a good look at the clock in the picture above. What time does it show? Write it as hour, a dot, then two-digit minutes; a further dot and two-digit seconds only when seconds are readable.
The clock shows 10.52.05
